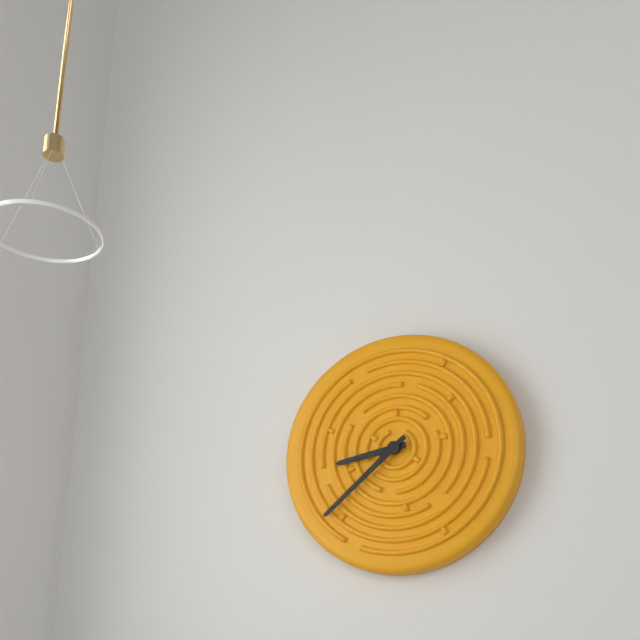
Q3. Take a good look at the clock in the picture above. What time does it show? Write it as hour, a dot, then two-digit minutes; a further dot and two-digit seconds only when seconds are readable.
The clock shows 8.38
